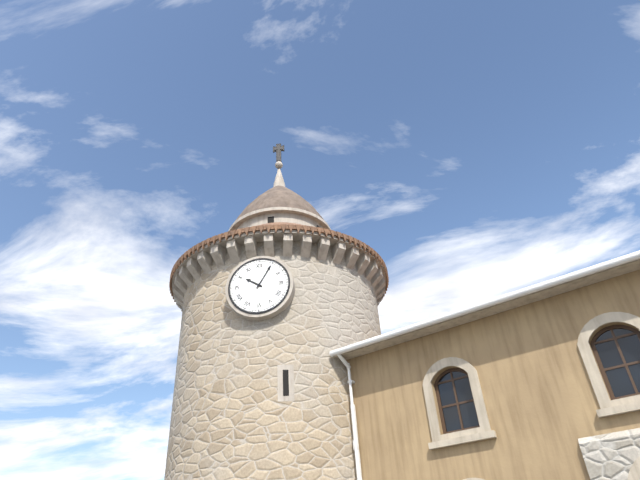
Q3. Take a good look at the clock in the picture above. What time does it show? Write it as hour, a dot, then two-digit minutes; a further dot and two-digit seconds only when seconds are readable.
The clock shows 10.05
